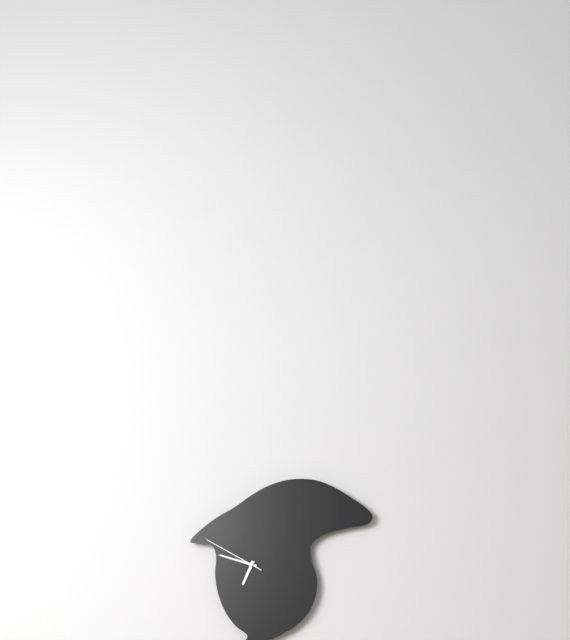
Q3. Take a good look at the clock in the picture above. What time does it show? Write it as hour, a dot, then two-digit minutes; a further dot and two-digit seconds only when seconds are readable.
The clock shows 6.48.50
